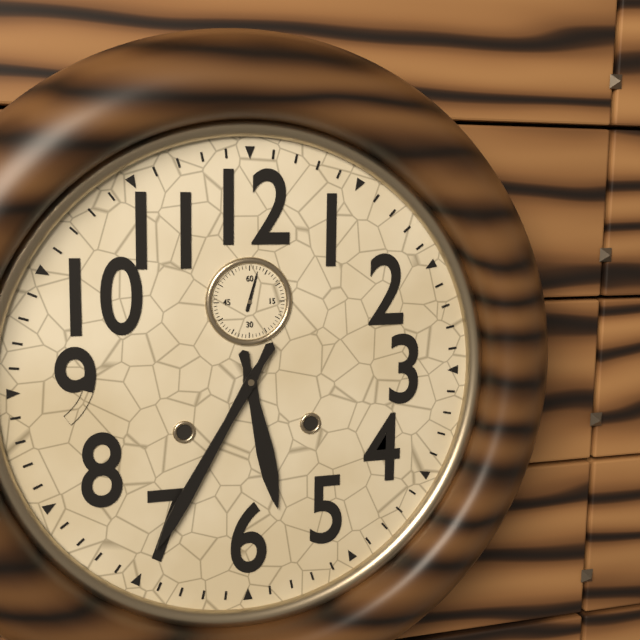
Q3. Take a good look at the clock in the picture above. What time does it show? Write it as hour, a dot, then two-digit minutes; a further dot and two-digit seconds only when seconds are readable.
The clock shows 5.35
